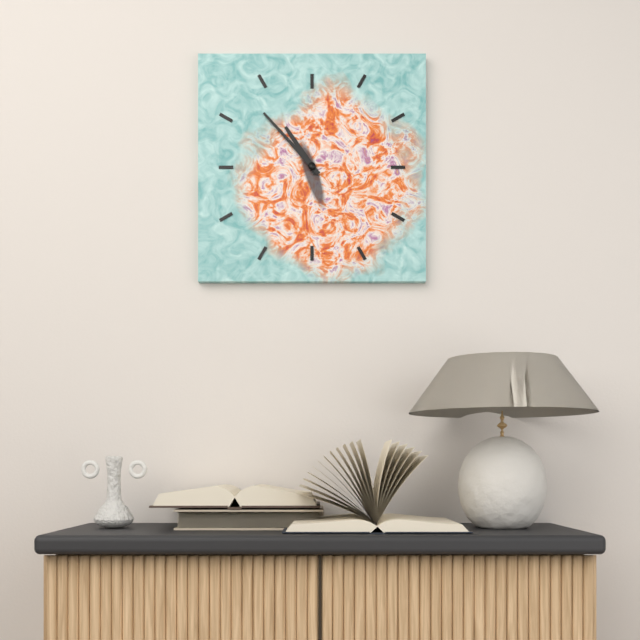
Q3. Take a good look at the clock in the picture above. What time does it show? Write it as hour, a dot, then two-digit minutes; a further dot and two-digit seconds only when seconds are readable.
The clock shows 10.53
